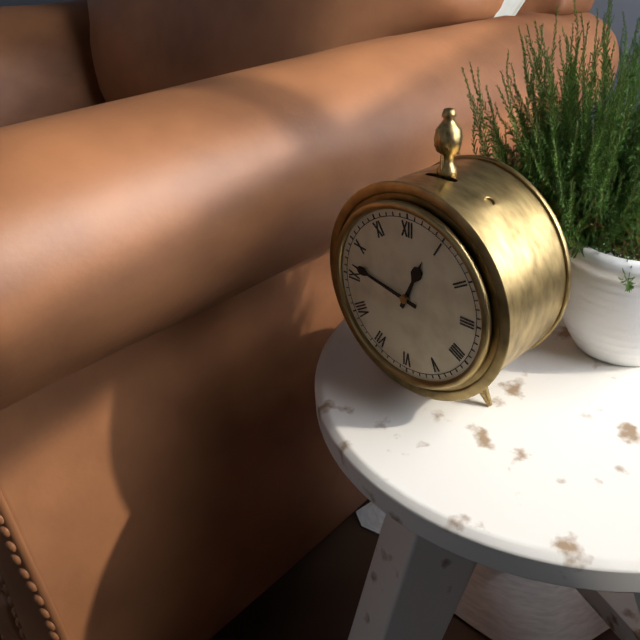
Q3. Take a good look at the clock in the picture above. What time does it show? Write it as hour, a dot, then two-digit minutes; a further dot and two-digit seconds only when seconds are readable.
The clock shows 12.47
